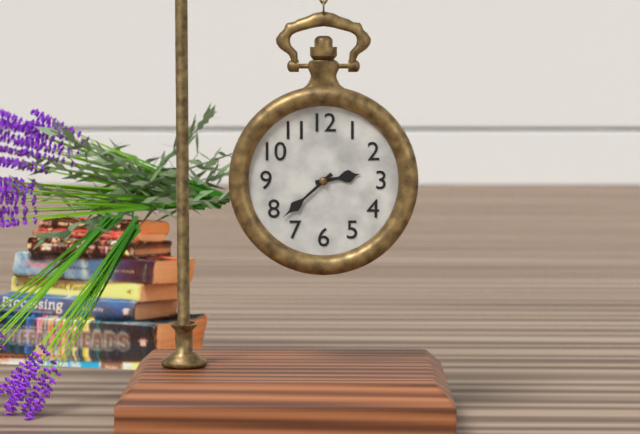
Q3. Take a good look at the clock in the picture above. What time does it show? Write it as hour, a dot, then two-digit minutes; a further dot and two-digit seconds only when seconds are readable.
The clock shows 2.38
